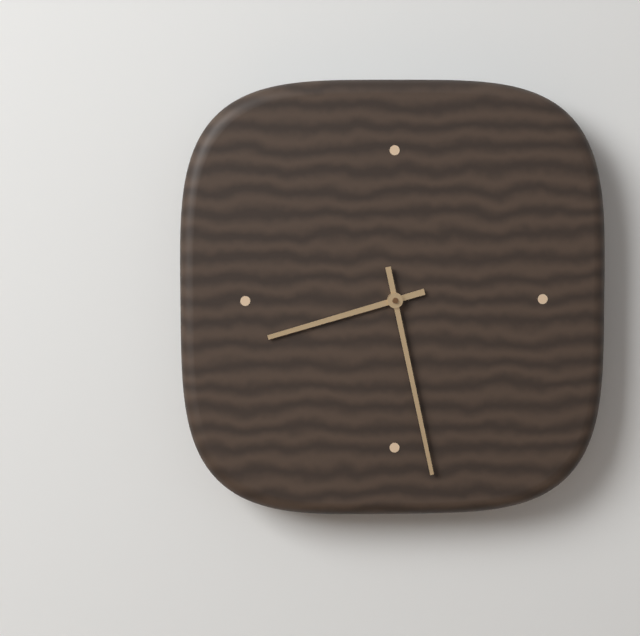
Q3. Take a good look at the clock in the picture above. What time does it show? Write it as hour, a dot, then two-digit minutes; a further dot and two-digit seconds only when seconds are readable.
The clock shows 8.28
